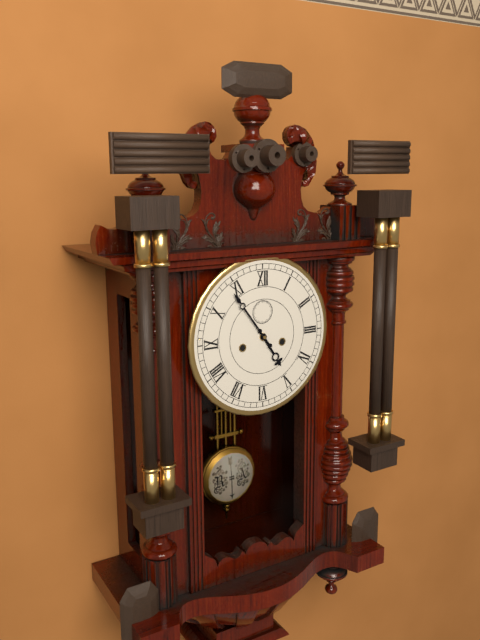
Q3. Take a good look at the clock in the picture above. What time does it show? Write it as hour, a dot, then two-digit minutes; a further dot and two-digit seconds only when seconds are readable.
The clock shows 4.54
